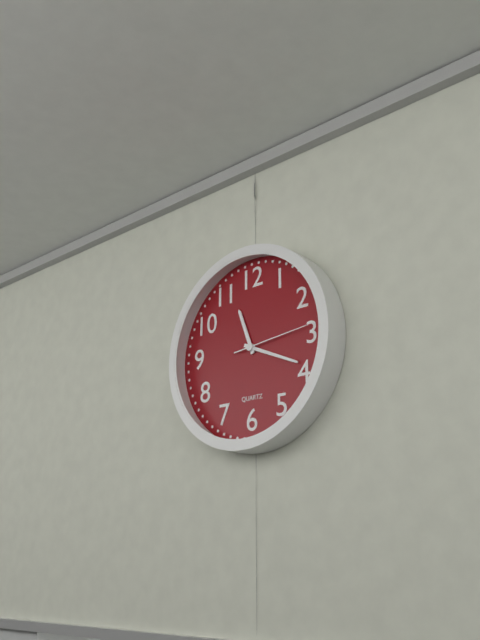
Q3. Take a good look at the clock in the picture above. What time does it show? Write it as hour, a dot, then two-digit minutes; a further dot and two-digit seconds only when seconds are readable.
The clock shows 11.19.14
